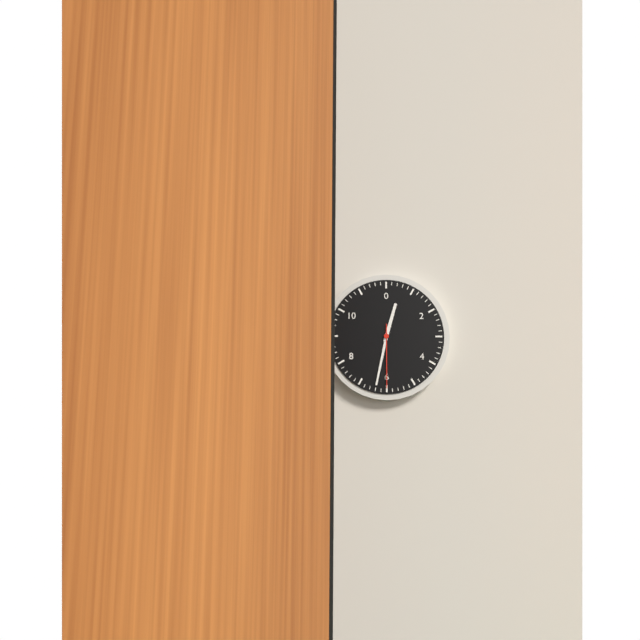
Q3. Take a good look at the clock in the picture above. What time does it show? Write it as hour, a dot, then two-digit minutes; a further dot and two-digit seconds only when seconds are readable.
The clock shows 12.32.30
